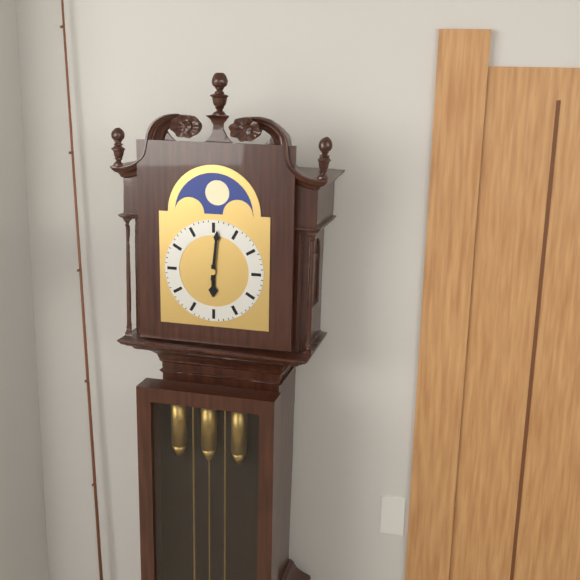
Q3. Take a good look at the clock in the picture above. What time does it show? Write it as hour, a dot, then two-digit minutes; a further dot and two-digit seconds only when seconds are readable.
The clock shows 6.01
